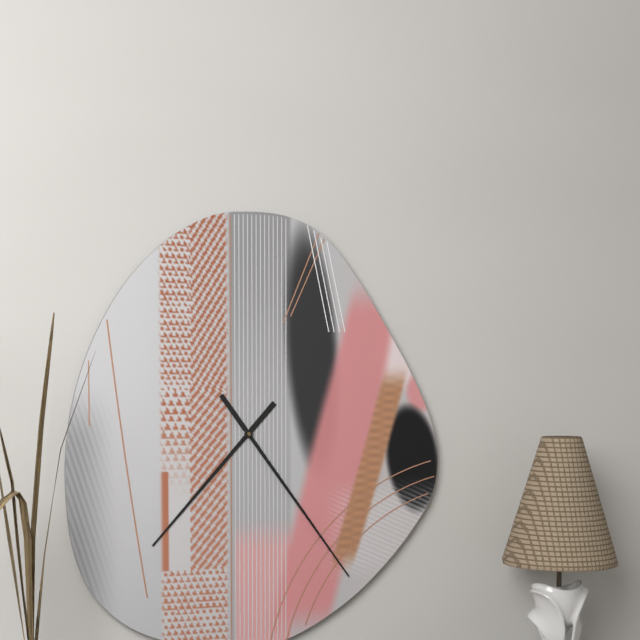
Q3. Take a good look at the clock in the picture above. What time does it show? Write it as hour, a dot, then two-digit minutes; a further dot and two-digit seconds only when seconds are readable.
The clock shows 7.24
